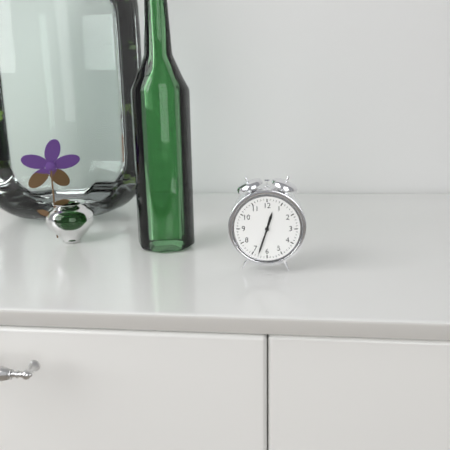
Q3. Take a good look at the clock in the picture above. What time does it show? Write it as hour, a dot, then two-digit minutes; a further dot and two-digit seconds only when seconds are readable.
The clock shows 12.33
